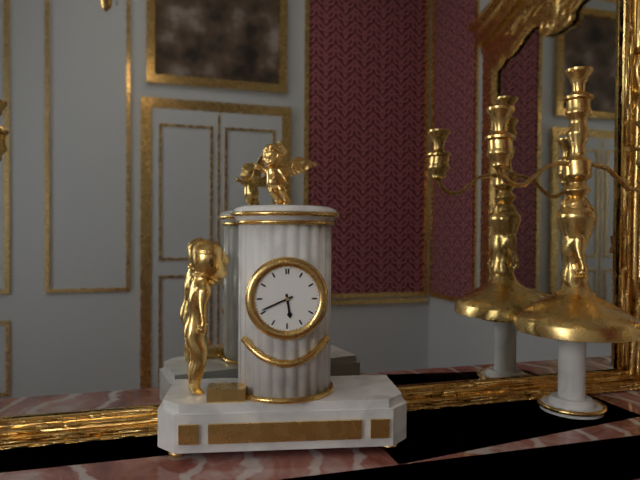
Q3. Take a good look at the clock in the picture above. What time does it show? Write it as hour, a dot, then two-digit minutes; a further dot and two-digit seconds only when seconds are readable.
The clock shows 5.41
